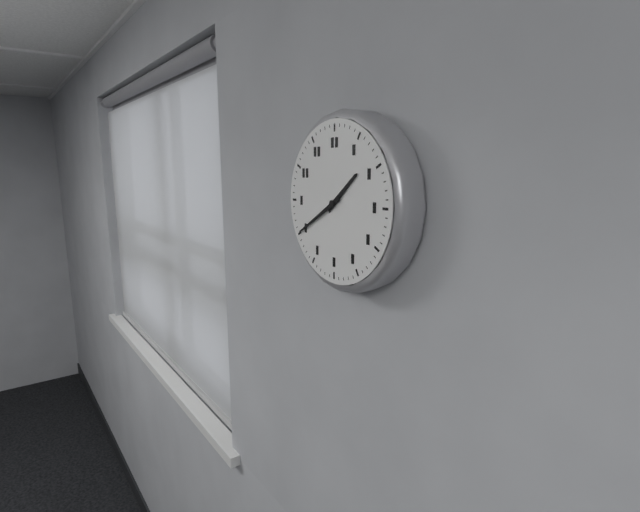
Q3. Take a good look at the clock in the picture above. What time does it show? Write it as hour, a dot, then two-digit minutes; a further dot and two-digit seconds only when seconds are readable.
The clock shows 1.40
